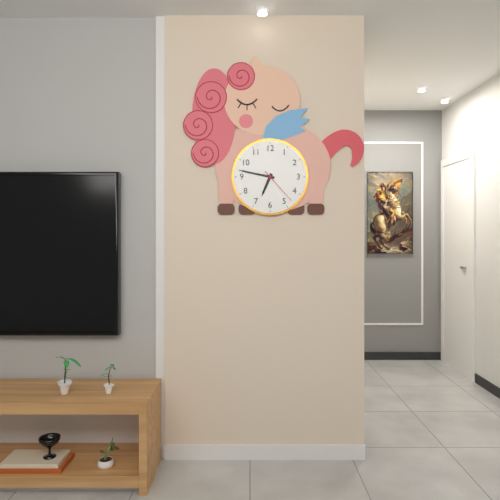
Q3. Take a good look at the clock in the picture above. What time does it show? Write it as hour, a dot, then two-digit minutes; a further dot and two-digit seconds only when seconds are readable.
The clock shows 6.47
